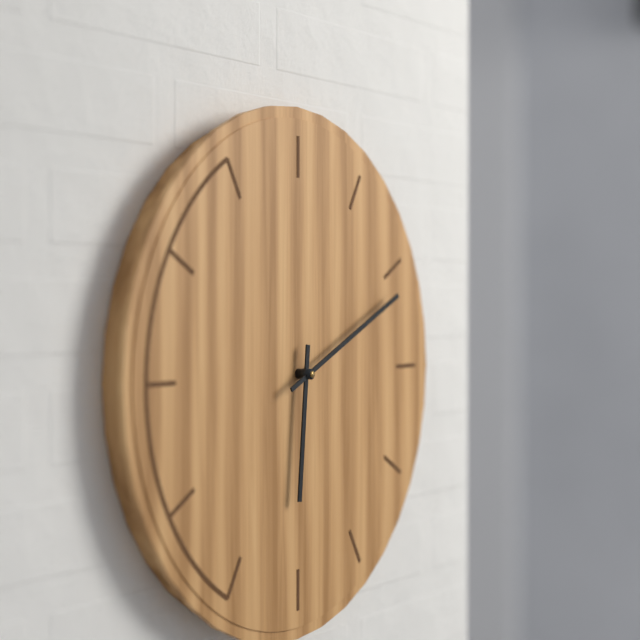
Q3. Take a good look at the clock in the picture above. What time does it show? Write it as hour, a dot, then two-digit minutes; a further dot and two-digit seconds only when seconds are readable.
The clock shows 6.11
